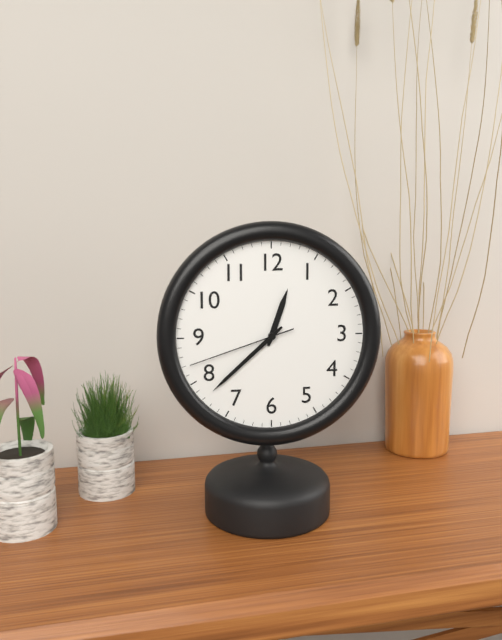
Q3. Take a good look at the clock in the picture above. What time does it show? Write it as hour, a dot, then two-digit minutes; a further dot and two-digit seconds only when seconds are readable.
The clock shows 12.38.42
